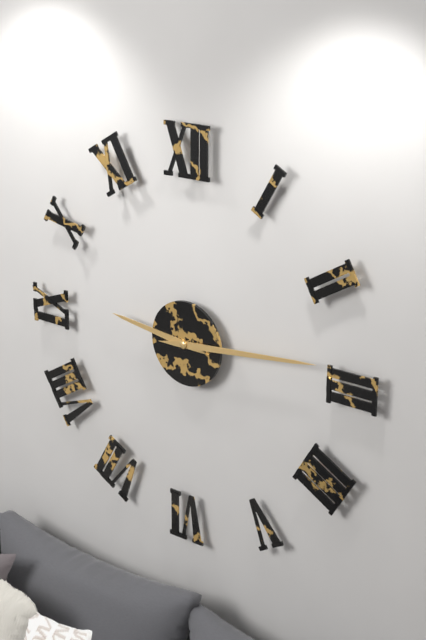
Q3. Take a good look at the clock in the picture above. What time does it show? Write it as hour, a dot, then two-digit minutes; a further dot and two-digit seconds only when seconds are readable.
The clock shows 9.14
